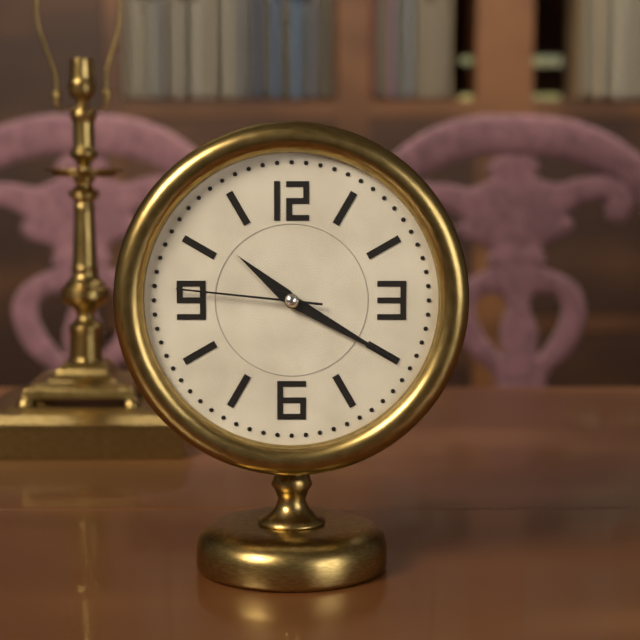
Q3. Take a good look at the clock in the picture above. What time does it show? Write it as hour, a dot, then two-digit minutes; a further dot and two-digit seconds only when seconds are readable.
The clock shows 10.20.46
